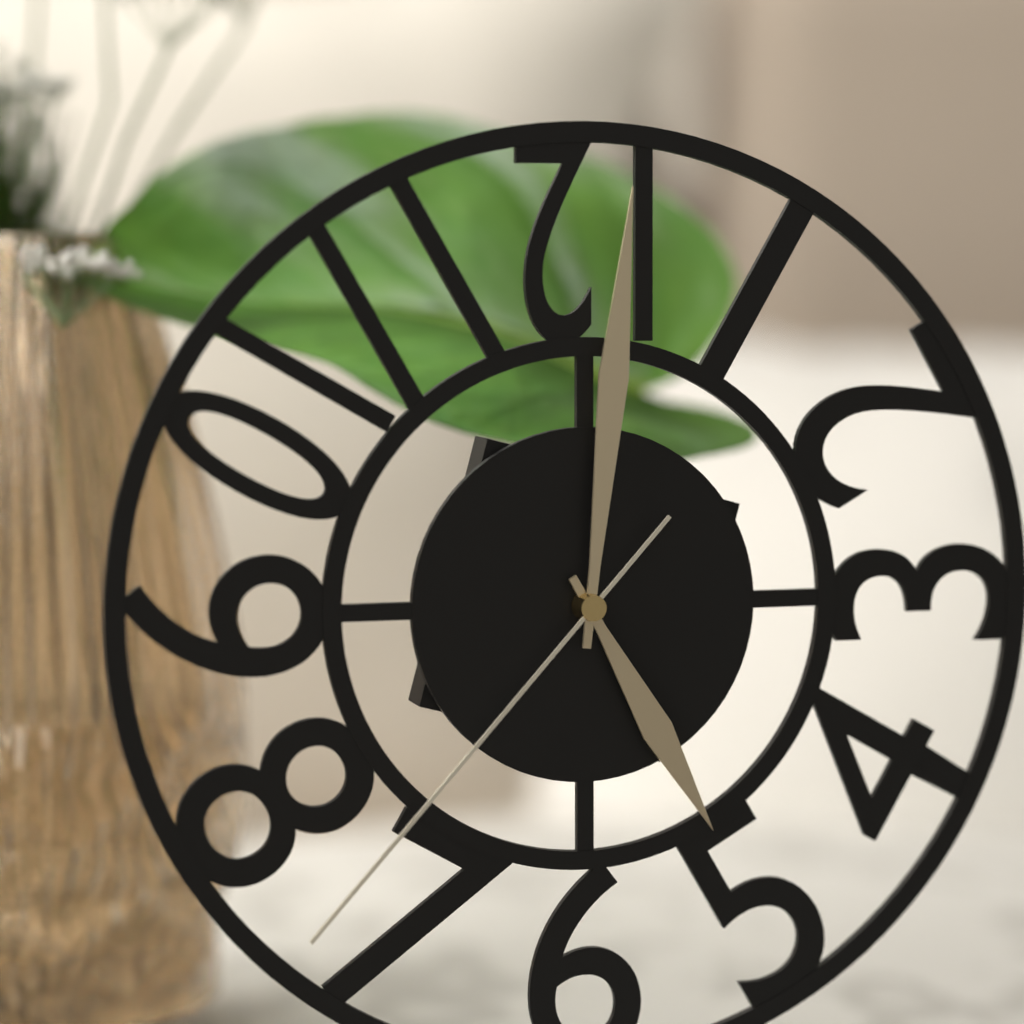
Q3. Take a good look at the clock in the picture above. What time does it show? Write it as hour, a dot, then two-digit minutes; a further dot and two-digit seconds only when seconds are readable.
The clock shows 5.01.37
